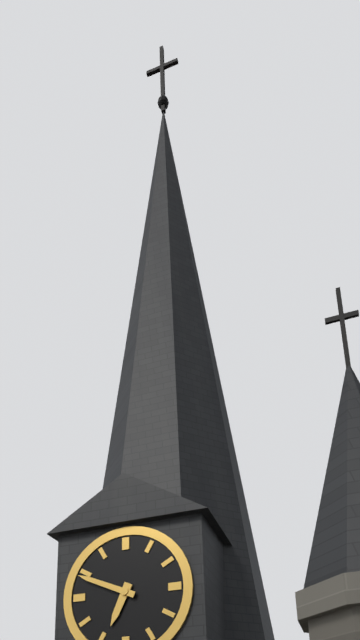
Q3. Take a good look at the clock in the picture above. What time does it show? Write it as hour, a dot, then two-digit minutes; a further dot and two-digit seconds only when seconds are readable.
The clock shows 6.49
